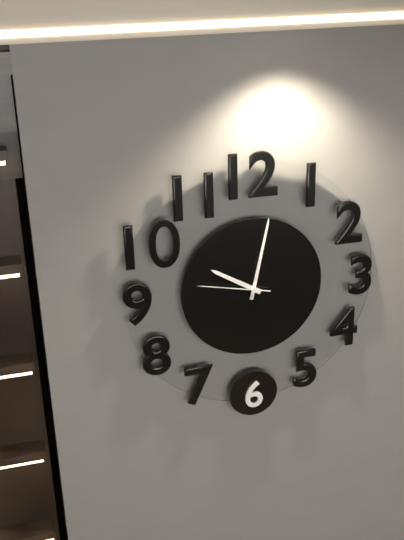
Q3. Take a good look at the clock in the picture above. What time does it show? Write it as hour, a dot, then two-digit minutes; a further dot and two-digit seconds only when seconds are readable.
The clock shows 10.02.47
